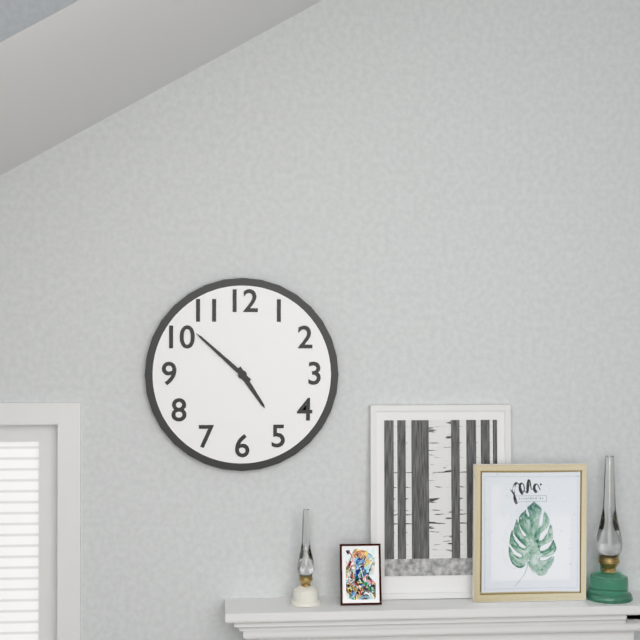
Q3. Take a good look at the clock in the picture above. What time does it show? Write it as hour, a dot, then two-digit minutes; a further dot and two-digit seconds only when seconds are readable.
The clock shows 4.52
